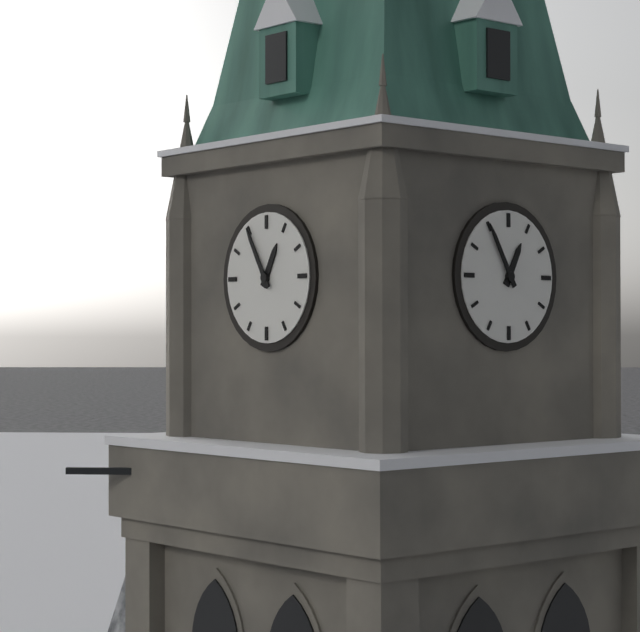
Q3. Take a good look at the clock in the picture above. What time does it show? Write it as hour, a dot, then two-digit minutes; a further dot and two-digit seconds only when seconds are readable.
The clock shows 12.55
